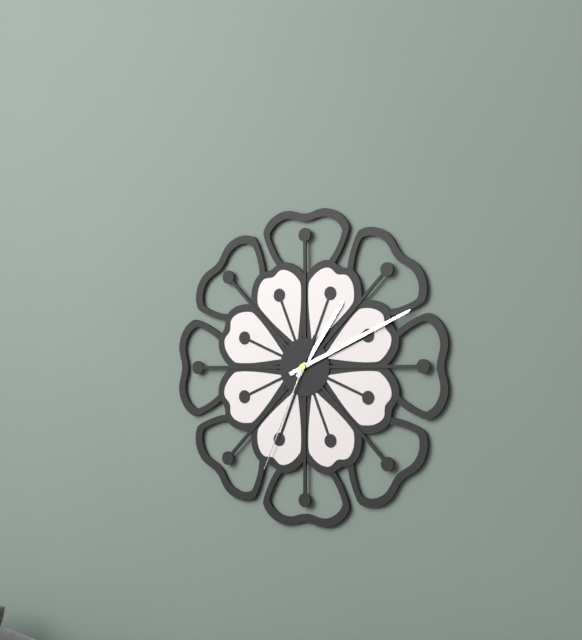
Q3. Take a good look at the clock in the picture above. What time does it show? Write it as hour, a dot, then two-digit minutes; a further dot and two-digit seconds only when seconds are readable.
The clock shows 1.11.34
